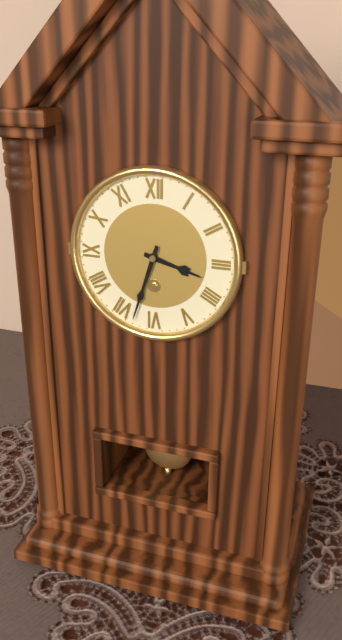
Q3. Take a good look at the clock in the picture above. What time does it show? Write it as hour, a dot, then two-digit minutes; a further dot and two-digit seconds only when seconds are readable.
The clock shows 3.33
